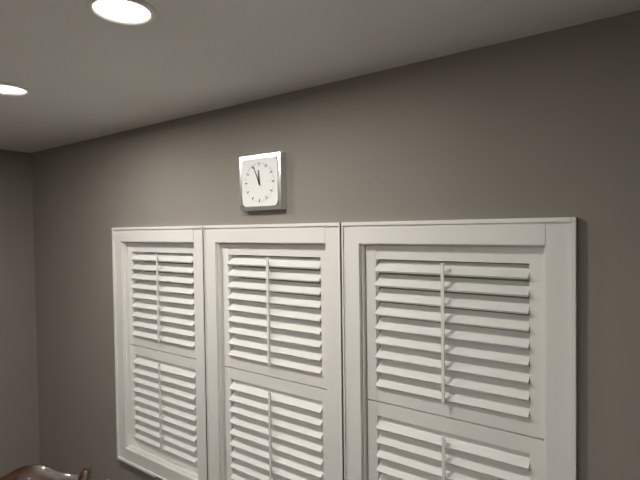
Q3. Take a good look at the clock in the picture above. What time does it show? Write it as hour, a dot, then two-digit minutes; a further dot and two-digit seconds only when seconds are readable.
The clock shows 11.56
